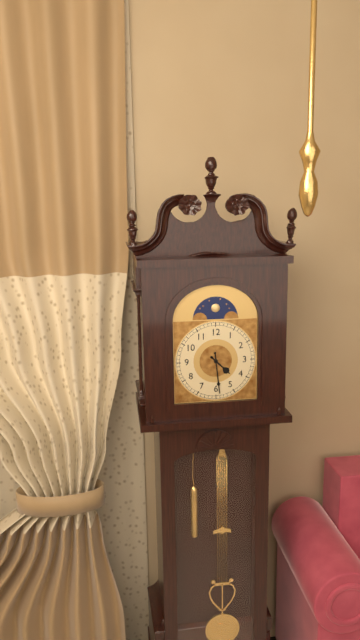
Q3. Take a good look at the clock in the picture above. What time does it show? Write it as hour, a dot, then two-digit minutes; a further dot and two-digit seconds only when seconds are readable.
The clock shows 4.29
